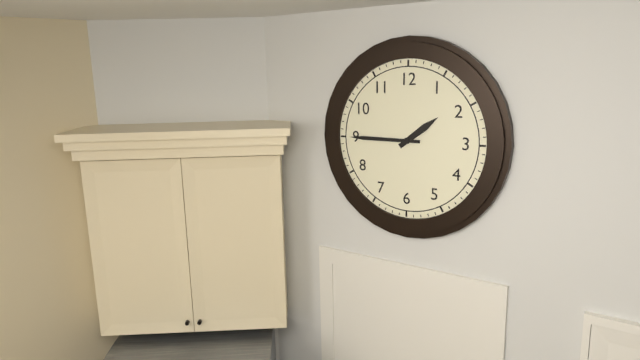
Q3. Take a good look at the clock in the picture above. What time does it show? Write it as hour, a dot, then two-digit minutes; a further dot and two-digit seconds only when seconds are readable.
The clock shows 1.45
